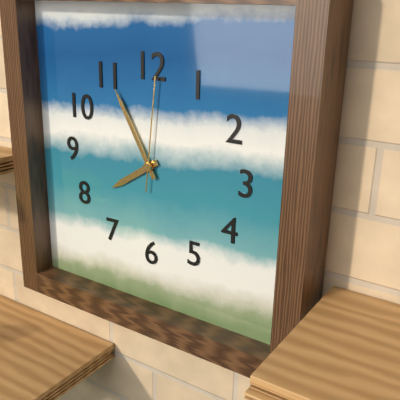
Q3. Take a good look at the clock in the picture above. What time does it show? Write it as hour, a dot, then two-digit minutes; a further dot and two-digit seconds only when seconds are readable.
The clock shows 7.55.01
